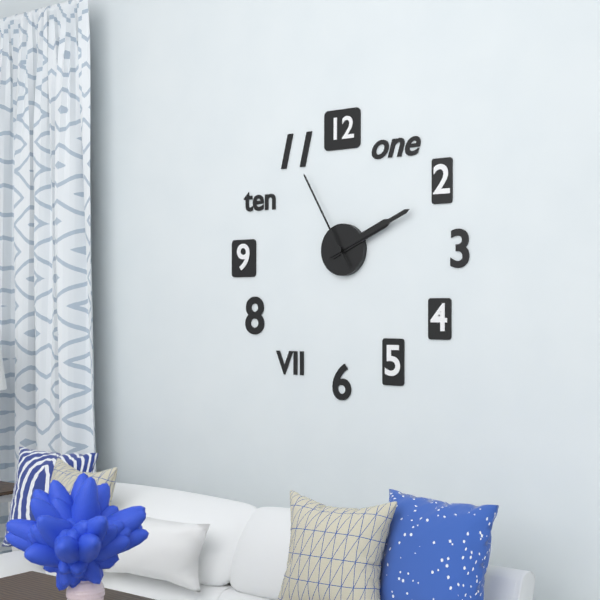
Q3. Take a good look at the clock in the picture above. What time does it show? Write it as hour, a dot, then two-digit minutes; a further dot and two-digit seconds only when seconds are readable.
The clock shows 2.11.55
